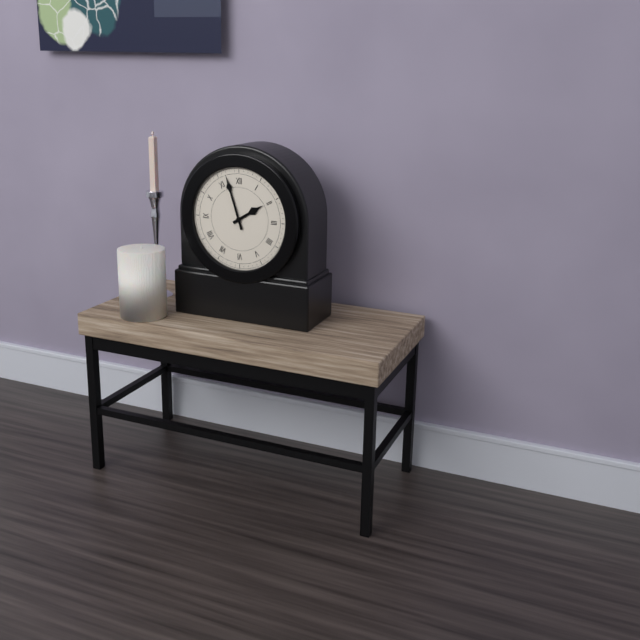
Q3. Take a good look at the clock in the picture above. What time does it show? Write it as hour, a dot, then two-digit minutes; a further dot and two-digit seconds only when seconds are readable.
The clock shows 1.57
